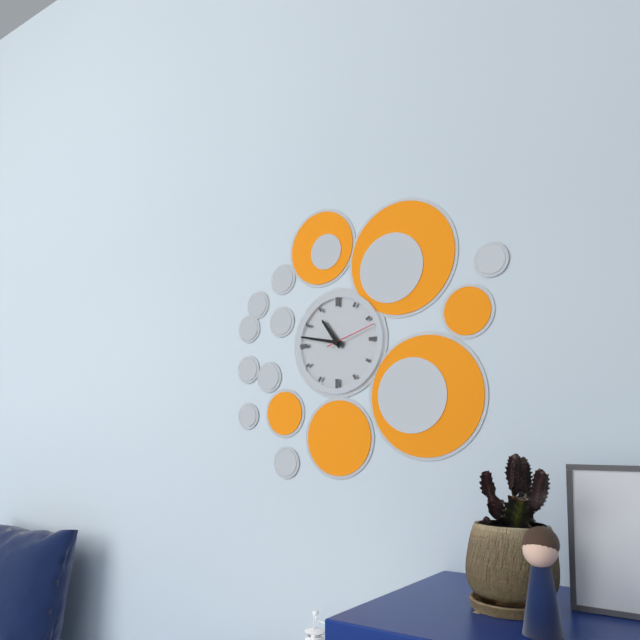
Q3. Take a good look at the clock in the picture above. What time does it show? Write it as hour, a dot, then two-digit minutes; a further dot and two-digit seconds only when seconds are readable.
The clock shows 10.47.12
